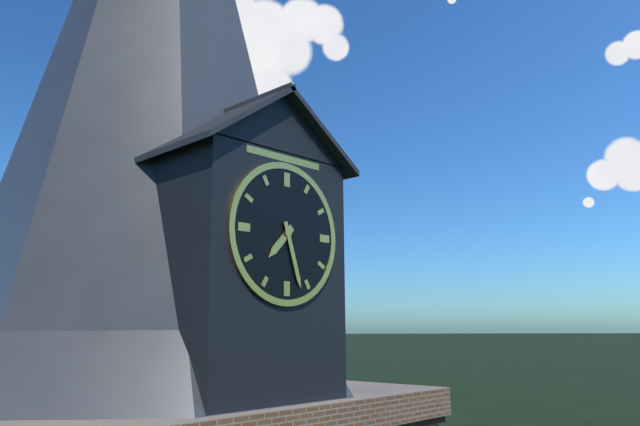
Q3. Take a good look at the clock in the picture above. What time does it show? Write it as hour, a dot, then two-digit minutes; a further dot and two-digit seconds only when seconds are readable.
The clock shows 7.27
